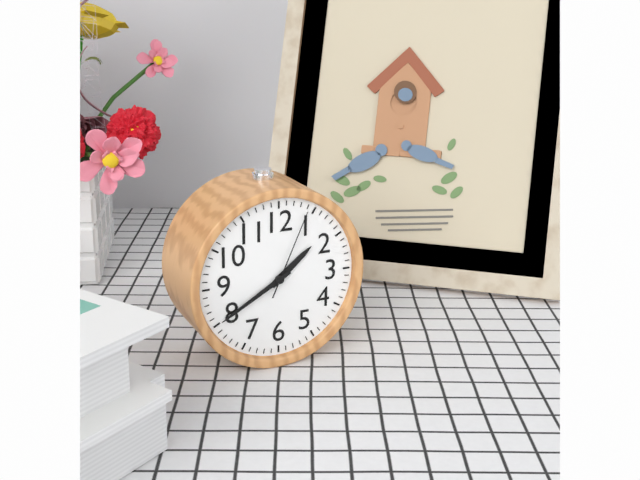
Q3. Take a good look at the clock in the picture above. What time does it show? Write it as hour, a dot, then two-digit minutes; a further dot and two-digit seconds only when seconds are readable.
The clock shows 1.40.04
